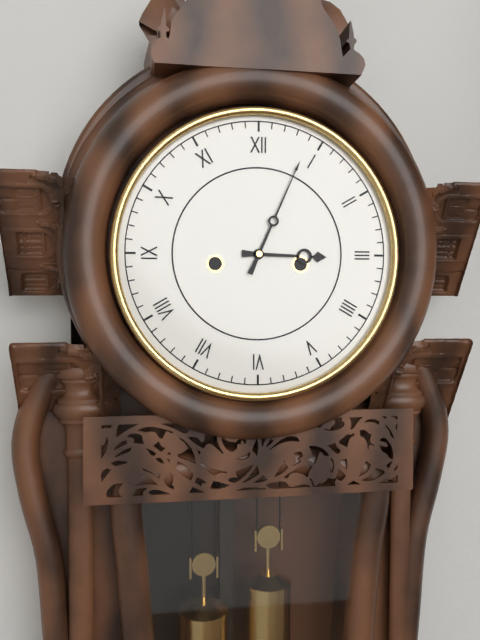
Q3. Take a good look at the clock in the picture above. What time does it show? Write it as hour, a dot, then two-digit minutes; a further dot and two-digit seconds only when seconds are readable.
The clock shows 3.04
